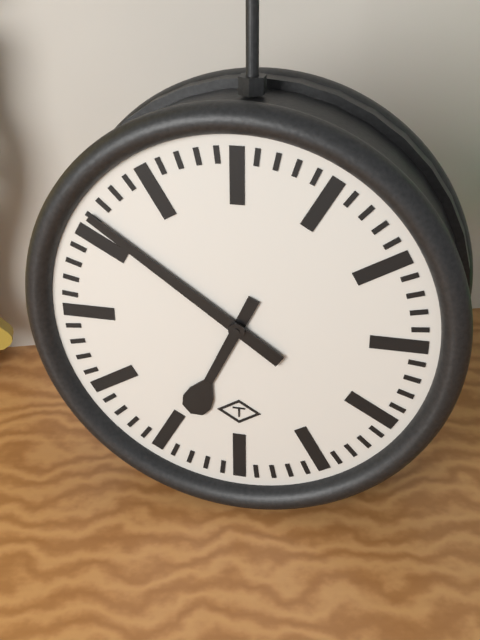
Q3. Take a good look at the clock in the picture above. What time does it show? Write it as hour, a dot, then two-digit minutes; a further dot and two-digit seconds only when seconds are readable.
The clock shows 6.51
